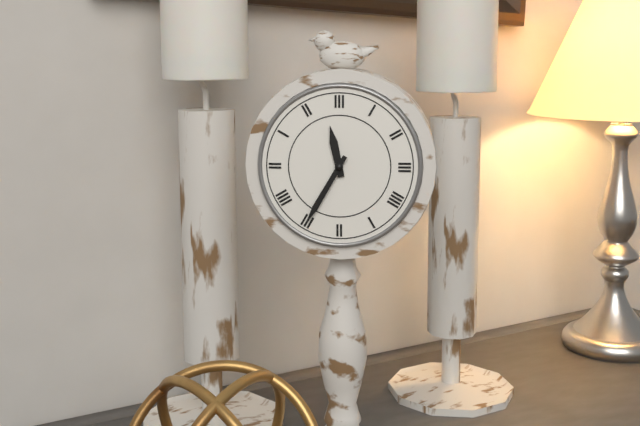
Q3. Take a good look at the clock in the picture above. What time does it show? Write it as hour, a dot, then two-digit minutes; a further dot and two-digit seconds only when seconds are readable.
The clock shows 11.35
